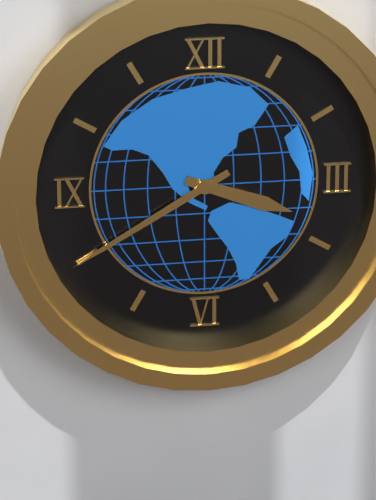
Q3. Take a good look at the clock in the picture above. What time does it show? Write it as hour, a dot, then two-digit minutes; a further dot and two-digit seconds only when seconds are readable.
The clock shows 3.40
